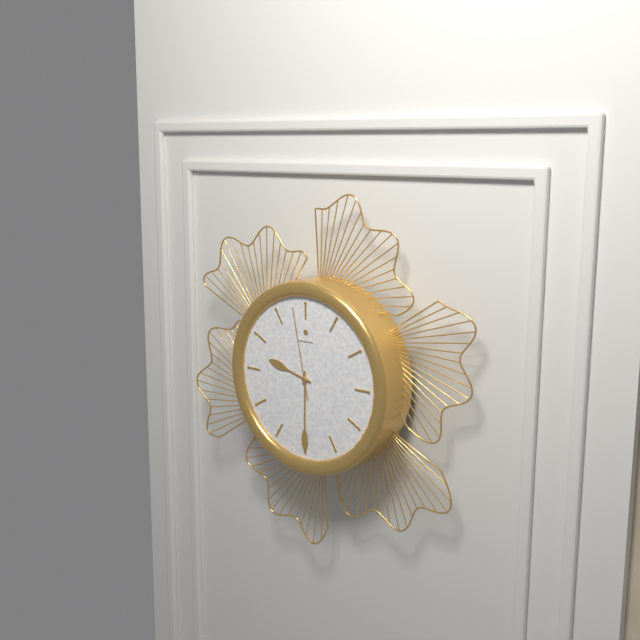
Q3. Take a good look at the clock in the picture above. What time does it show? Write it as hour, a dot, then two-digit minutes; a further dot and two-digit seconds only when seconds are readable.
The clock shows 9.30.58
